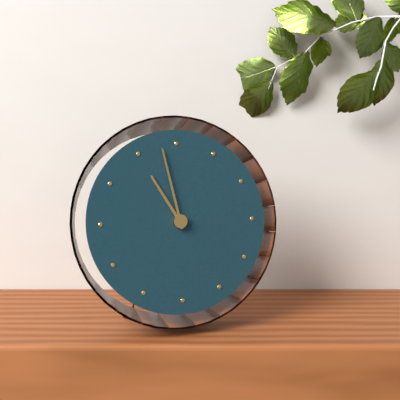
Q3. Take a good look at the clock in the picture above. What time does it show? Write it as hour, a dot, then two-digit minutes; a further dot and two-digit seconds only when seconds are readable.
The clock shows 10.58
